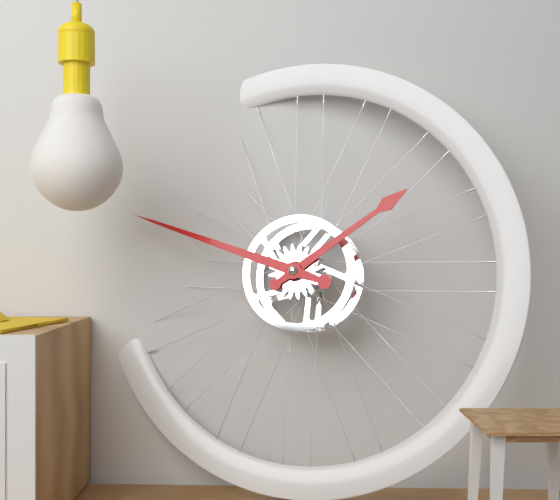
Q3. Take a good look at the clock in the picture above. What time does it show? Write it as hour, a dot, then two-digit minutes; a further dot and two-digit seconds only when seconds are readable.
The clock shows 1.48
